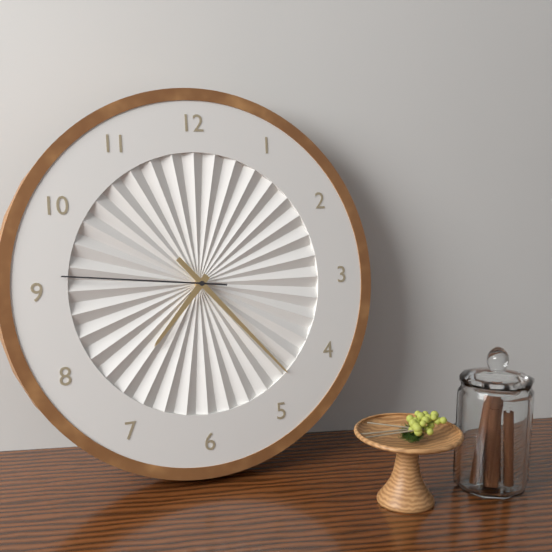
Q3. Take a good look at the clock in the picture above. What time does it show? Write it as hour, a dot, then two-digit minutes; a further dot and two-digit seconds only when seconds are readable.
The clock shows 7.23.46
